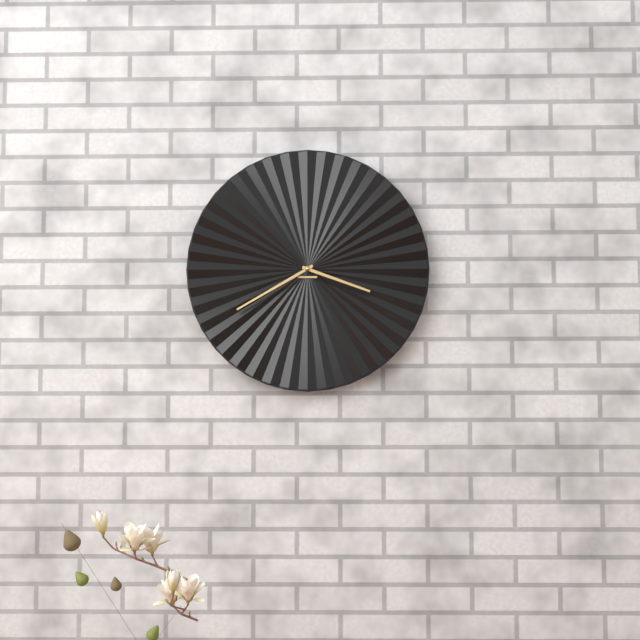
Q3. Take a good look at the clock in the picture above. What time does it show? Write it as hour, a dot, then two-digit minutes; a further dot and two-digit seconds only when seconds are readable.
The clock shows 3.40
